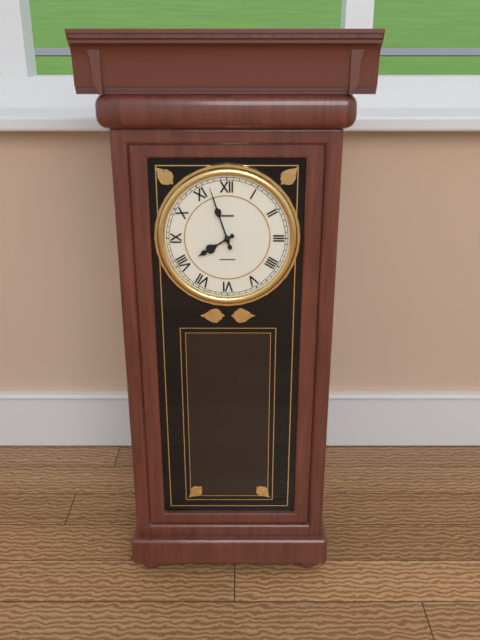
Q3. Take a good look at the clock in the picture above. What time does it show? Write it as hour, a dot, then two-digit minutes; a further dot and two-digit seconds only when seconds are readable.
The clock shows 7.57
